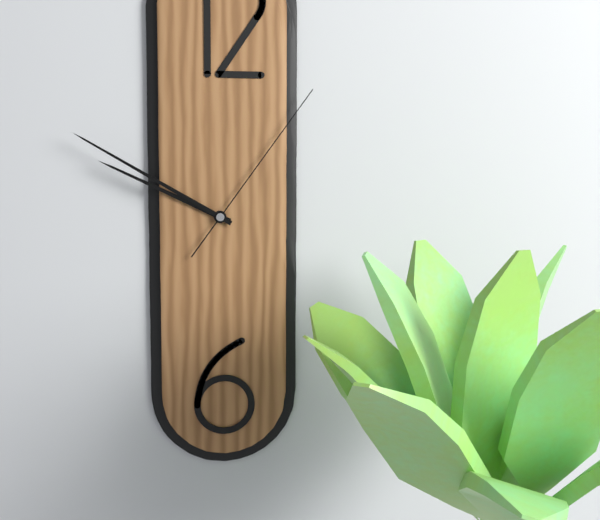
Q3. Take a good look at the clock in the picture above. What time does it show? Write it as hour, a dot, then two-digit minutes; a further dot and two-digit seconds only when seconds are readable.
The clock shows 9.50.06
